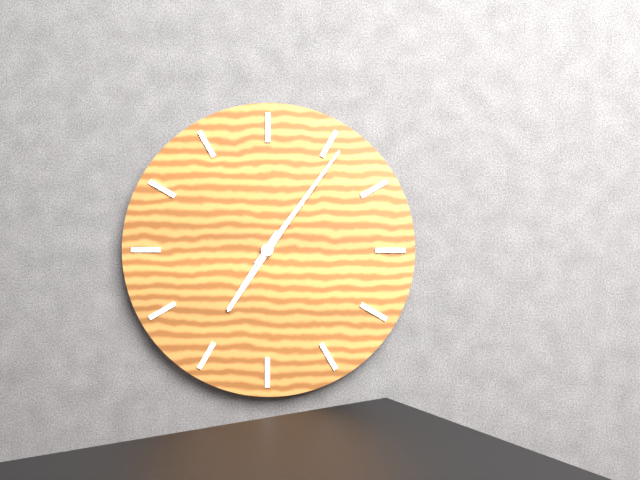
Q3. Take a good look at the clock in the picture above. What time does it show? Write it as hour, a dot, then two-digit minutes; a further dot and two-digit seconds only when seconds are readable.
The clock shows 7.06
